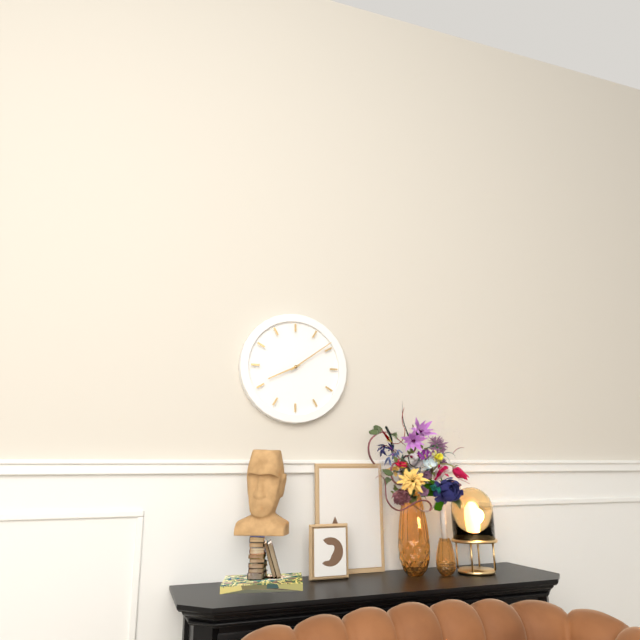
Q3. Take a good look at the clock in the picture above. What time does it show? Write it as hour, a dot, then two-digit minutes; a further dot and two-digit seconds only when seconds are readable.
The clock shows 8.09
